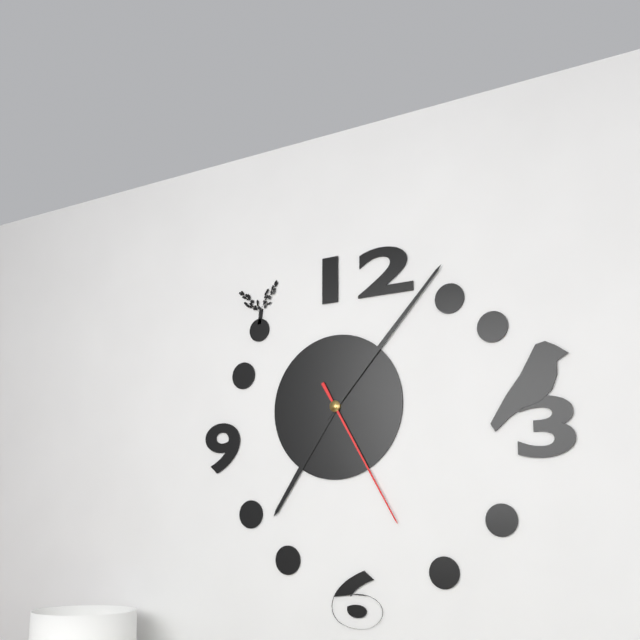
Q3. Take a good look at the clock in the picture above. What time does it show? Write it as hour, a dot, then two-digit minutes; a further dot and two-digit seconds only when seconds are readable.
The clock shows 7.07.25
